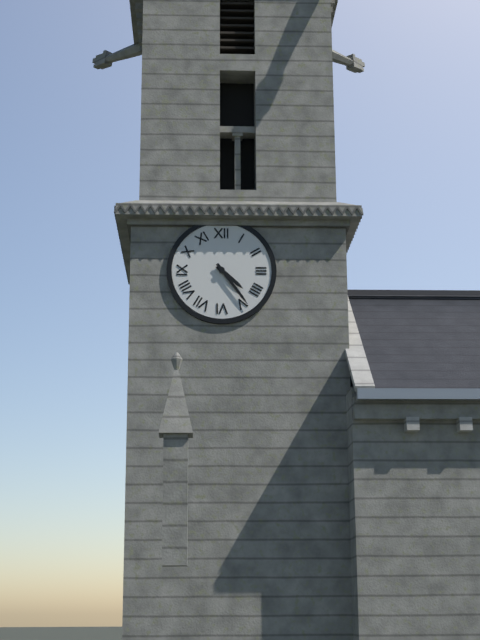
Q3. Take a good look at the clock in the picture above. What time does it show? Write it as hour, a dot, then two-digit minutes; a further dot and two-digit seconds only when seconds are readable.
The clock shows 4.24
